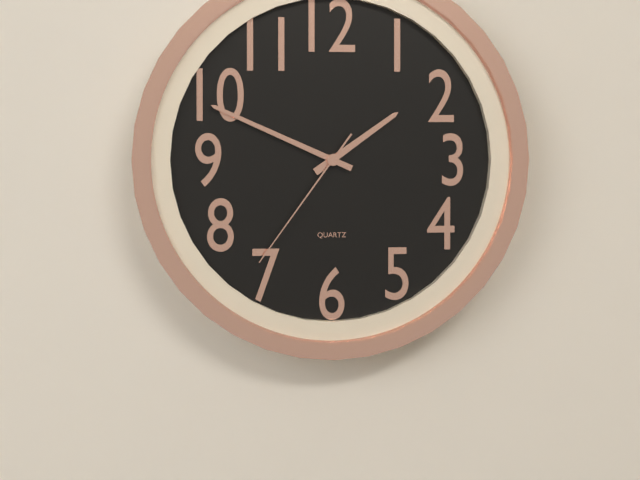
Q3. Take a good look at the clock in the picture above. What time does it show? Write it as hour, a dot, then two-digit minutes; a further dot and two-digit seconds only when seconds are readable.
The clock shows 1.49.36
